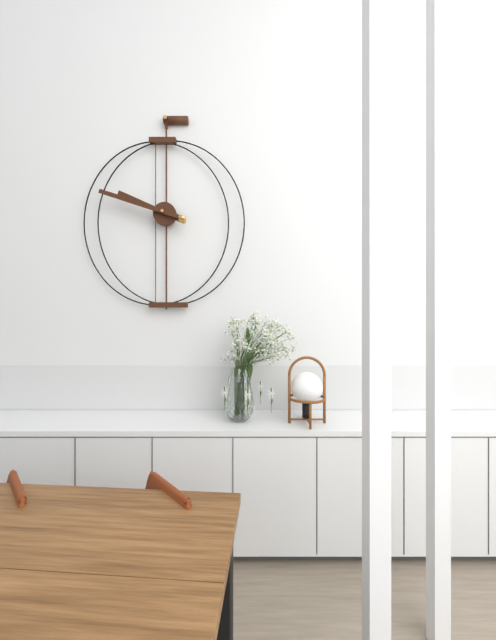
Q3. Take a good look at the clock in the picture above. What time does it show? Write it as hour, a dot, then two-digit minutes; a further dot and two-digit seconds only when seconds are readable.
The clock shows 9.48
